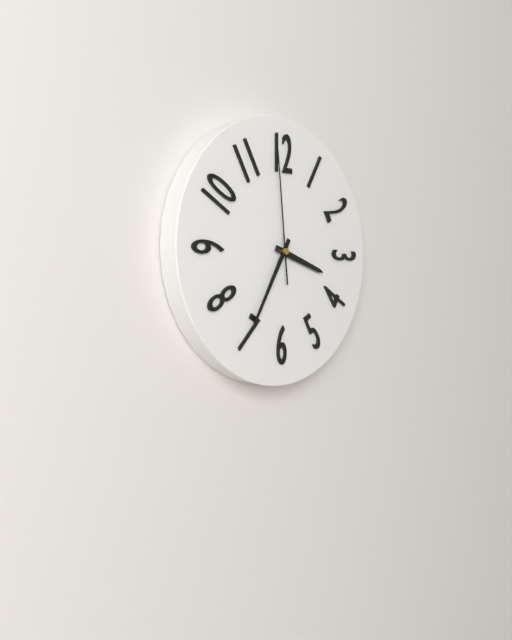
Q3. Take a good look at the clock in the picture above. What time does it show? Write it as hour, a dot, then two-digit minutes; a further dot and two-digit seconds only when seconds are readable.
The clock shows 3.35.59
